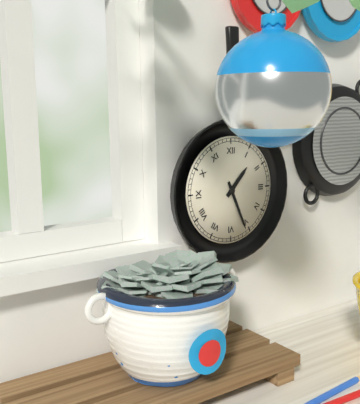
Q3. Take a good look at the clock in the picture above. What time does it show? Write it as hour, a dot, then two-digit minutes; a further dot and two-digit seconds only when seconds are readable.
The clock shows 1.26
